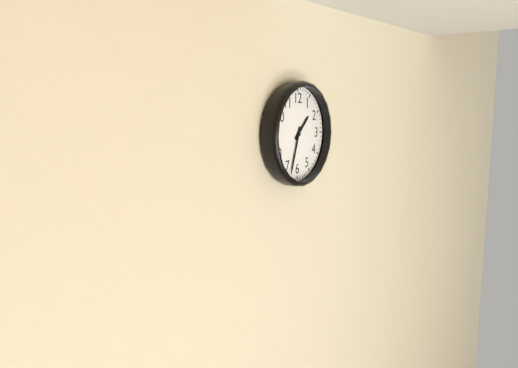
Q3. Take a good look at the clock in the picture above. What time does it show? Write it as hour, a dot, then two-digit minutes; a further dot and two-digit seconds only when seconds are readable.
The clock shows 1.33
